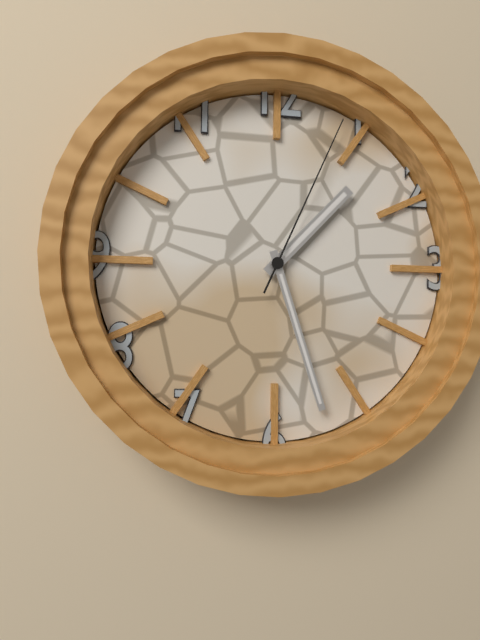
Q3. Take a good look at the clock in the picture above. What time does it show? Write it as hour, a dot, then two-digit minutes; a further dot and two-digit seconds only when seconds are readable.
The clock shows 1.27.04
